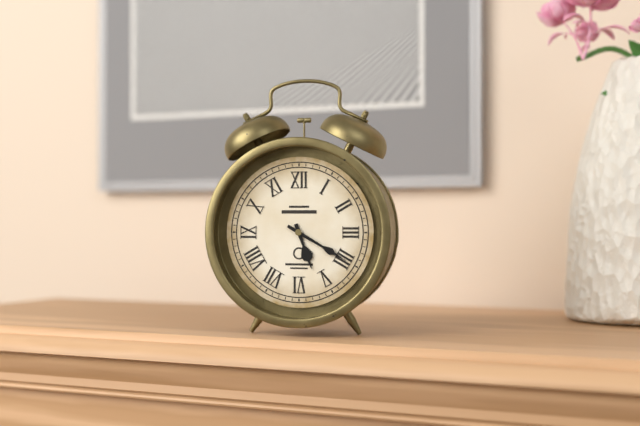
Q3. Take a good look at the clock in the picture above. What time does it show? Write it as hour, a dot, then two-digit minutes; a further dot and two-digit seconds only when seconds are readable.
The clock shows 5.20
